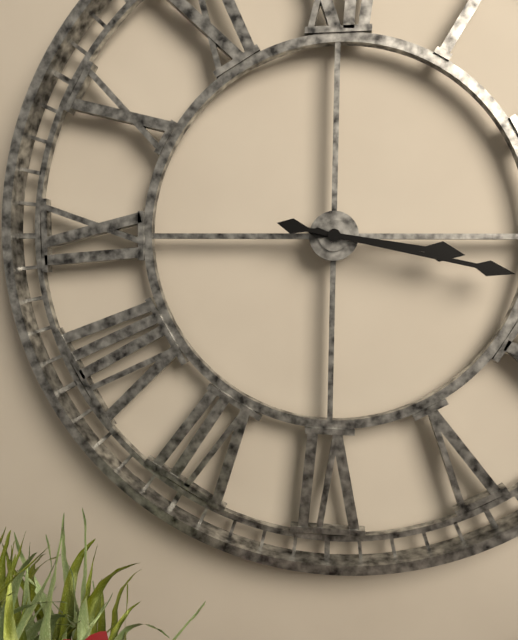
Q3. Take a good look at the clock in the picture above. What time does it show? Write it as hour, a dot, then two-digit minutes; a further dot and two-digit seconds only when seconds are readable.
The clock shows 3.17
